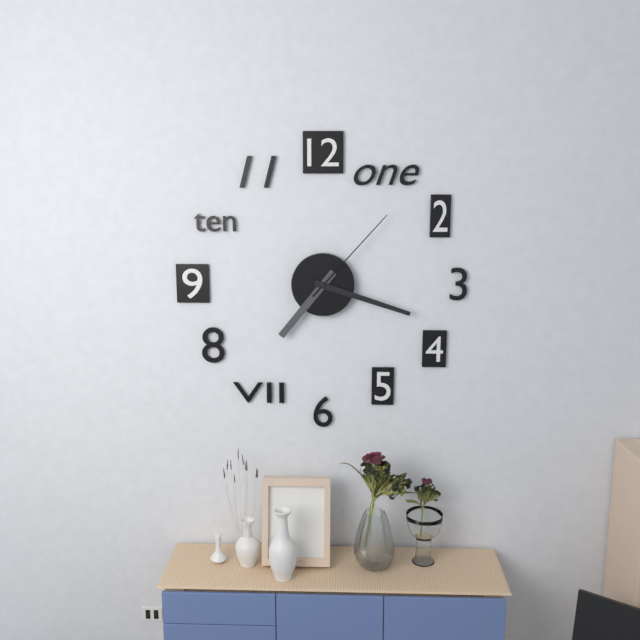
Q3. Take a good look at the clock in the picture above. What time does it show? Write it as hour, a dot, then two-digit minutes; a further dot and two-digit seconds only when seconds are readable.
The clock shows 7.18.07
